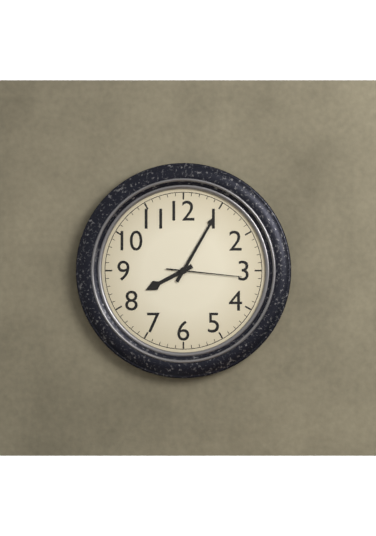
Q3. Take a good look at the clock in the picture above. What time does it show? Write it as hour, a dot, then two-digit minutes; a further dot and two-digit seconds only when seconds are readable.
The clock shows 8.05.16
